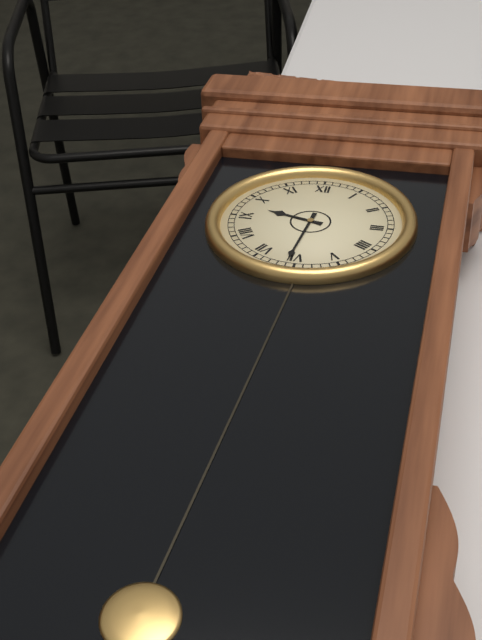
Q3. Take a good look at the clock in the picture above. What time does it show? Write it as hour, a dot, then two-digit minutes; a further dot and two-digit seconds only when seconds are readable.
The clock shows 9.31
